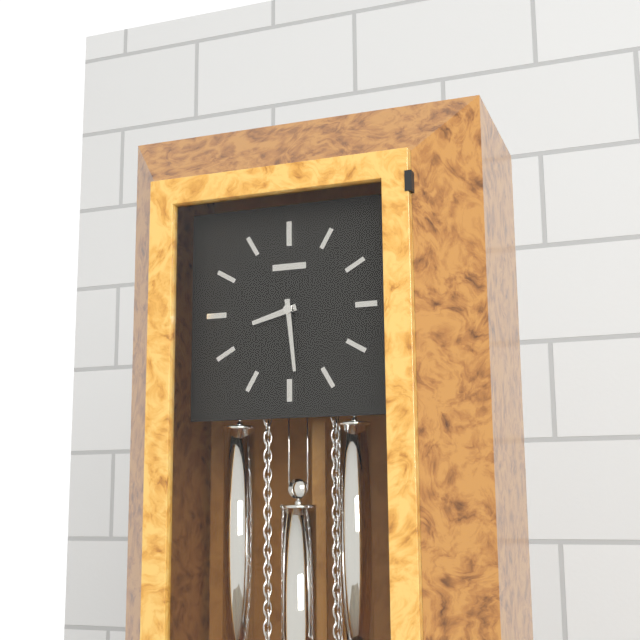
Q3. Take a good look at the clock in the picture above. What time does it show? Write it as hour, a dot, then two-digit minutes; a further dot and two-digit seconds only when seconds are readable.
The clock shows 8.29
